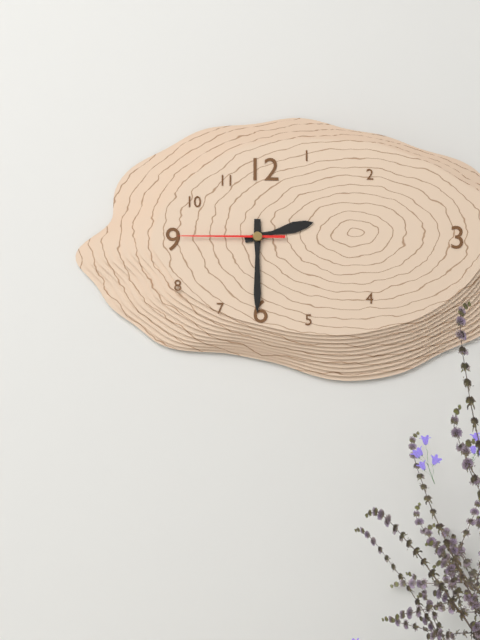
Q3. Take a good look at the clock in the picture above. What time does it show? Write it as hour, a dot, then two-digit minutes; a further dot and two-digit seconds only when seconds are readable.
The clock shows 2.30.45
